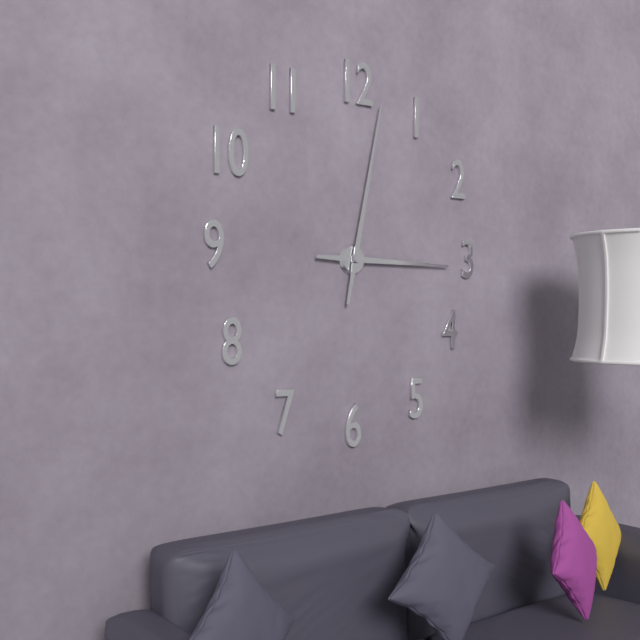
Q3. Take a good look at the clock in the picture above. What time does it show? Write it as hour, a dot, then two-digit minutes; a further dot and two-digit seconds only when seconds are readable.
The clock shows 3.02
